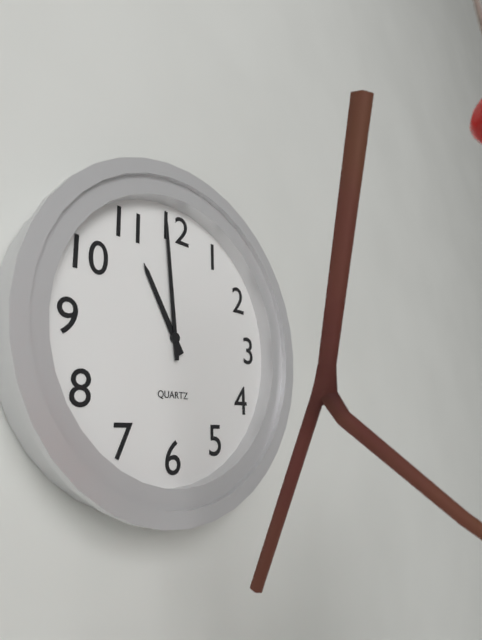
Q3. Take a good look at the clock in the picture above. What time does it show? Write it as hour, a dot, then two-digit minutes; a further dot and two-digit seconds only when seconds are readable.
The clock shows 10.59
